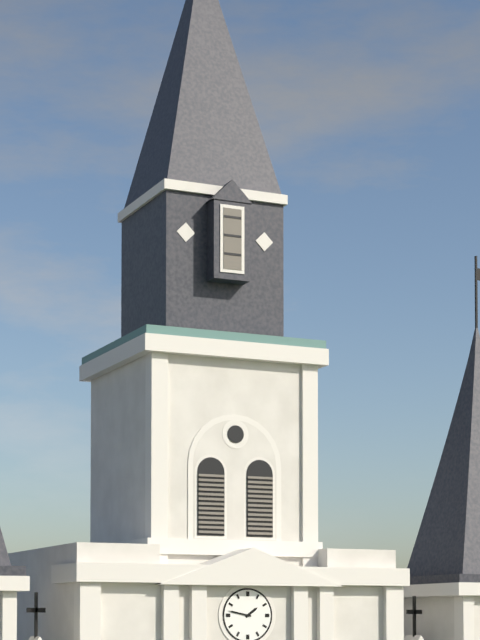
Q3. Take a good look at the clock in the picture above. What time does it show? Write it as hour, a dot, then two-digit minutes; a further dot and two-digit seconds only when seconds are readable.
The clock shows 1.47
